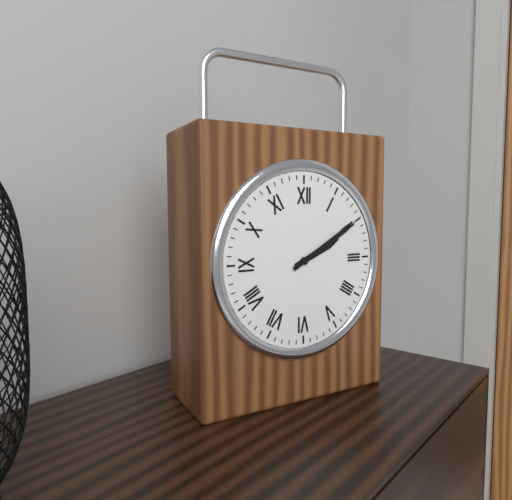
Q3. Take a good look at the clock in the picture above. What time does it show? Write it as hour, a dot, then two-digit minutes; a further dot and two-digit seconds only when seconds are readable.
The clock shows 2.10
